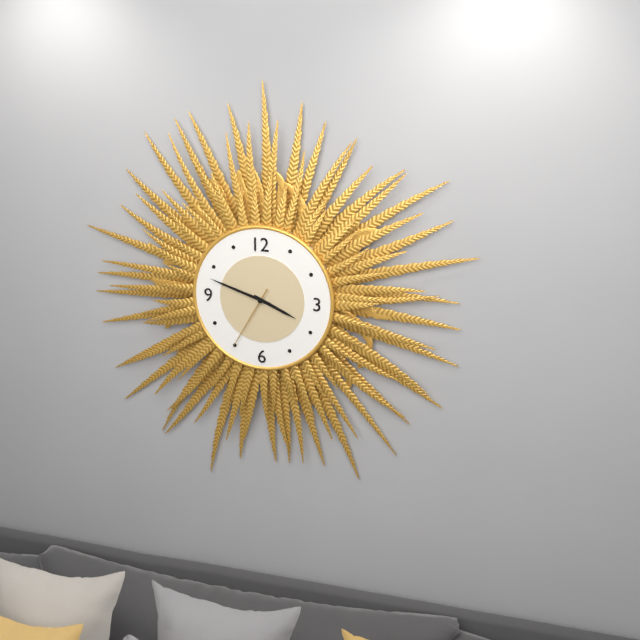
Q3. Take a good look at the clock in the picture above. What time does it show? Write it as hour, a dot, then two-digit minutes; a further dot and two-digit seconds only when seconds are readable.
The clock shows 3.48.35
